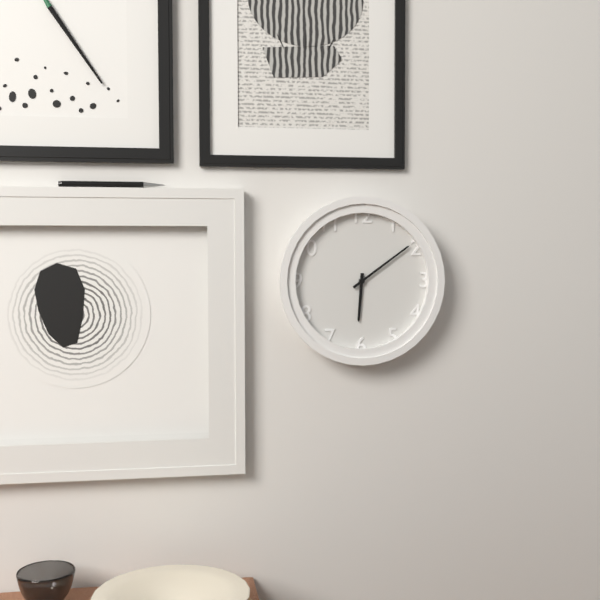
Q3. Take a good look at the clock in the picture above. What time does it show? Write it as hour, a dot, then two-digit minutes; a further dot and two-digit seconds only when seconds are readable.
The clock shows 6.09
